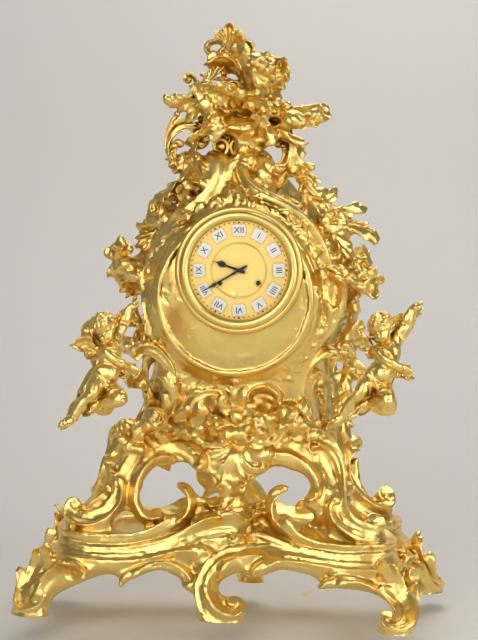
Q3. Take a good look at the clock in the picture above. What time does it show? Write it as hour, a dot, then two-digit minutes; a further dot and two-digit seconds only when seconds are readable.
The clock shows 9.40
